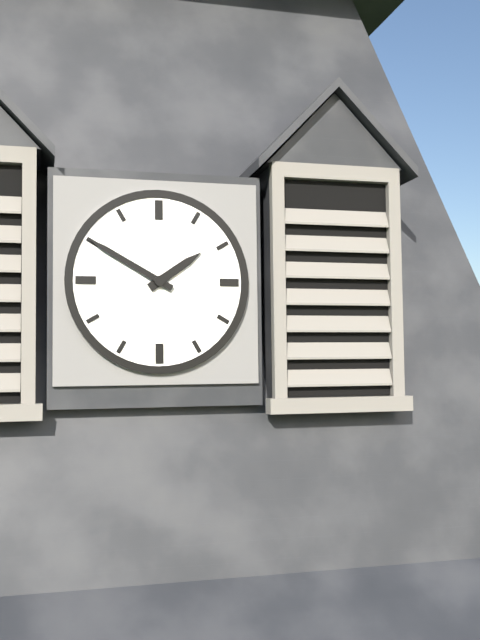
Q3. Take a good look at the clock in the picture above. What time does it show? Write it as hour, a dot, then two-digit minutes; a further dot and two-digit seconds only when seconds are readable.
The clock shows 1.50
